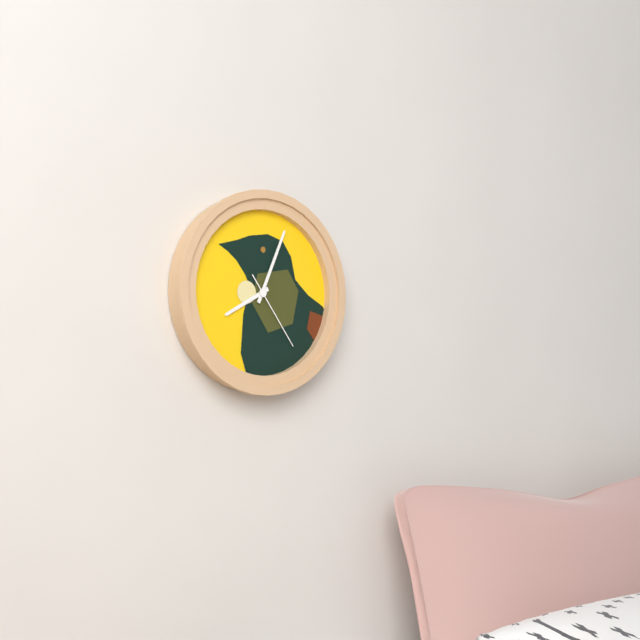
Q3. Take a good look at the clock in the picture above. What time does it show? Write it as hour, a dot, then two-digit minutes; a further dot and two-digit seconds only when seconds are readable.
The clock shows 8.04.24
